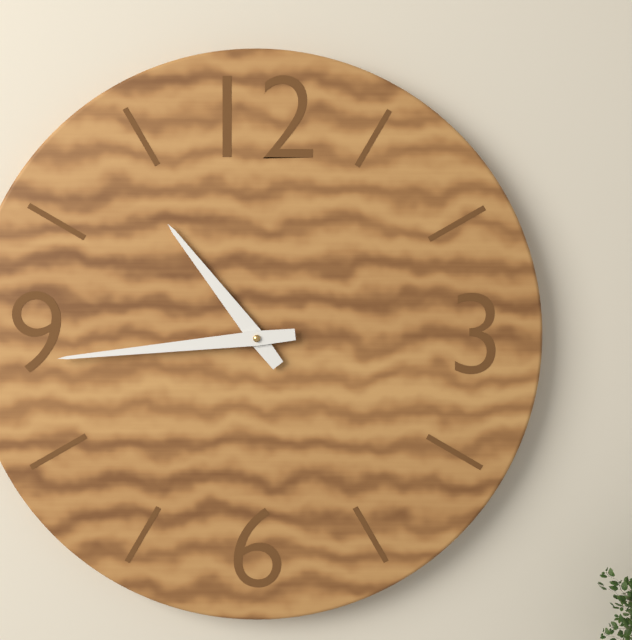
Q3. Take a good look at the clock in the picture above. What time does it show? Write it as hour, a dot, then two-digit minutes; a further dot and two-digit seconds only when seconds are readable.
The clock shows 10.44
